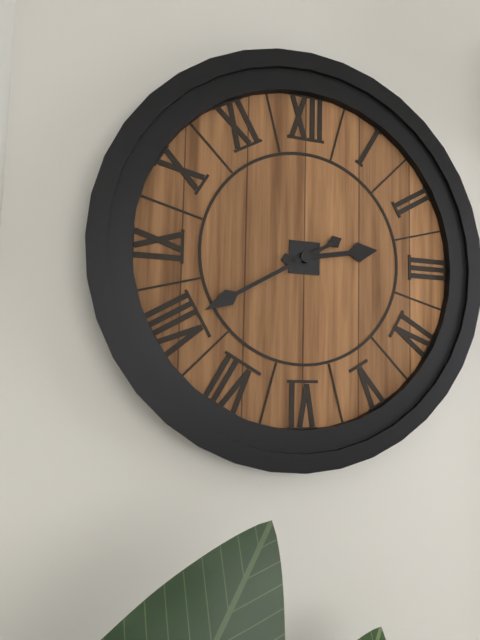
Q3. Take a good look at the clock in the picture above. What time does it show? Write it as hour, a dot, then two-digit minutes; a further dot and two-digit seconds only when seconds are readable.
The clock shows 2.40
